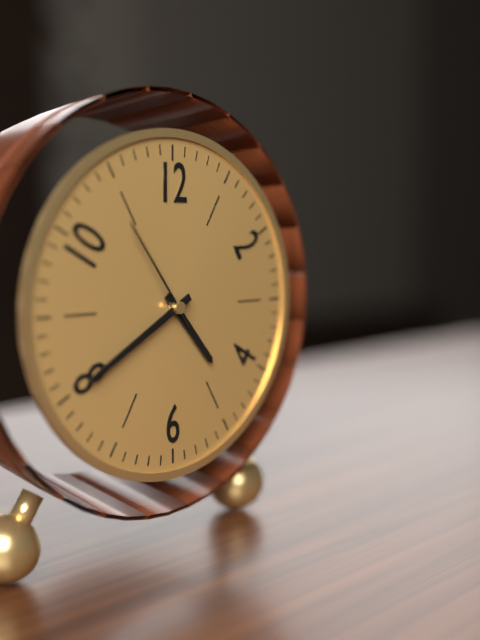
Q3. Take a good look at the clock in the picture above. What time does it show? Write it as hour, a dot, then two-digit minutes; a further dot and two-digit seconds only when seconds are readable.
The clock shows 4.40.54
